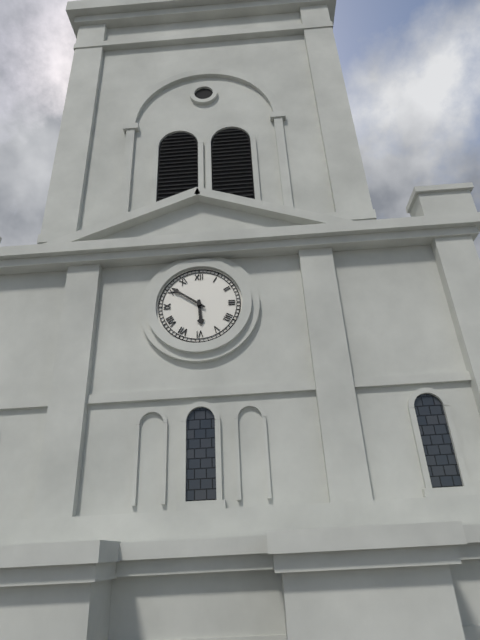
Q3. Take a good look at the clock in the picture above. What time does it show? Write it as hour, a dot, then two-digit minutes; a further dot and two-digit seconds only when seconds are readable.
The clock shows 5.51
